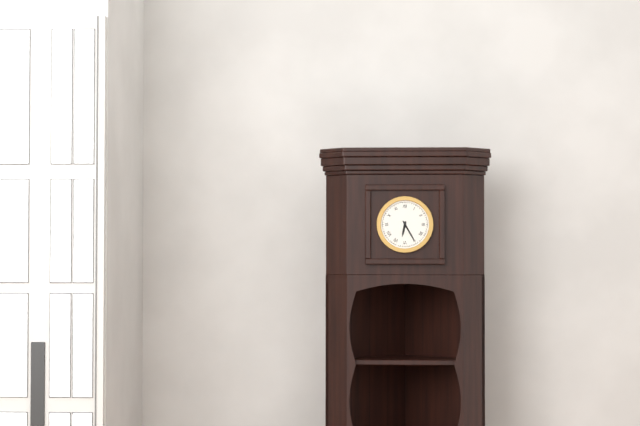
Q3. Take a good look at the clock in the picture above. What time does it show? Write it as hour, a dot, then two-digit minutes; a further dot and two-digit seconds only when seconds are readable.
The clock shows 6.25
